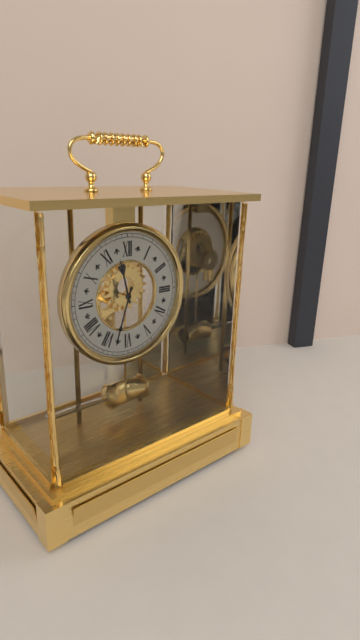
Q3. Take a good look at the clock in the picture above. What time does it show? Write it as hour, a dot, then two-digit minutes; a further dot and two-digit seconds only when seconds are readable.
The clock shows 11.33
